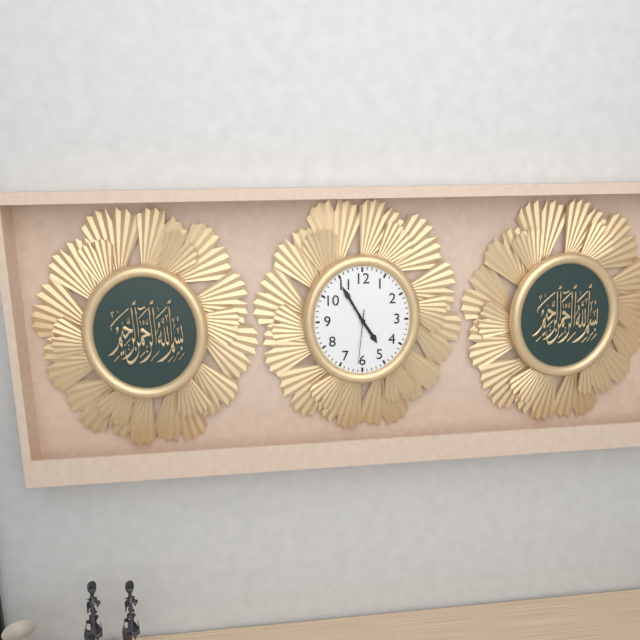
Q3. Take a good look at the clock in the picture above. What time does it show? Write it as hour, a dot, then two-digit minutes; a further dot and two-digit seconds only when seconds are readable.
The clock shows 4.55.31
